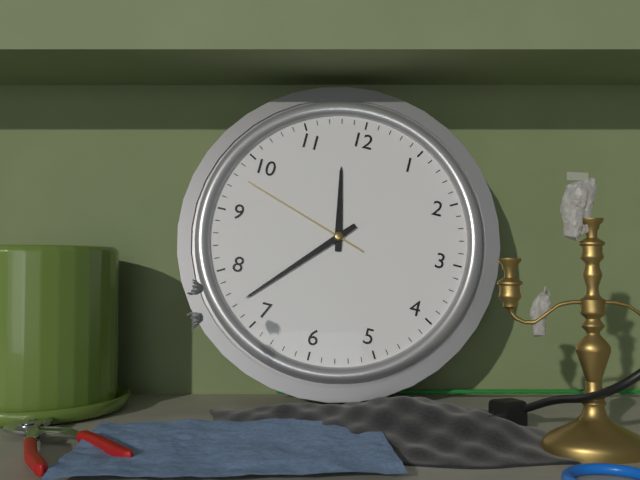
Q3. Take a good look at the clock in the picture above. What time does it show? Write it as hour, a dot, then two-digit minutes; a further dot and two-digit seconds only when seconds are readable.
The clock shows 11.37.48
